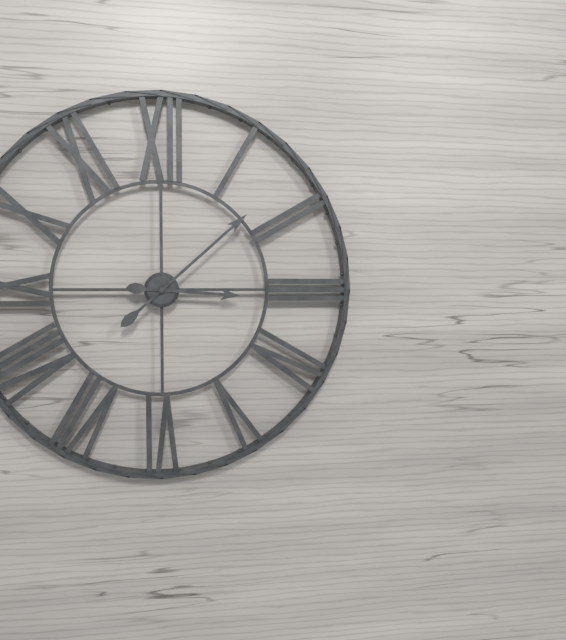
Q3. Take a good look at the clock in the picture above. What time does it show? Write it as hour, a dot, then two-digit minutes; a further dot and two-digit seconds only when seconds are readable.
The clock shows 3.08
